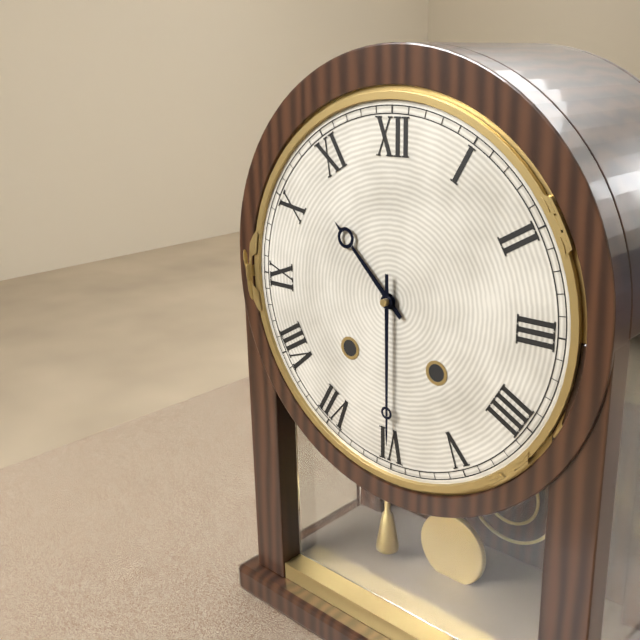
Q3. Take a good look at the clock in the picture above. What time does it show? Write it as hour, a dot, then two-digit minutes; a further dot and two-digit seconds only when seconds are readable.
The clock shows 10.30
